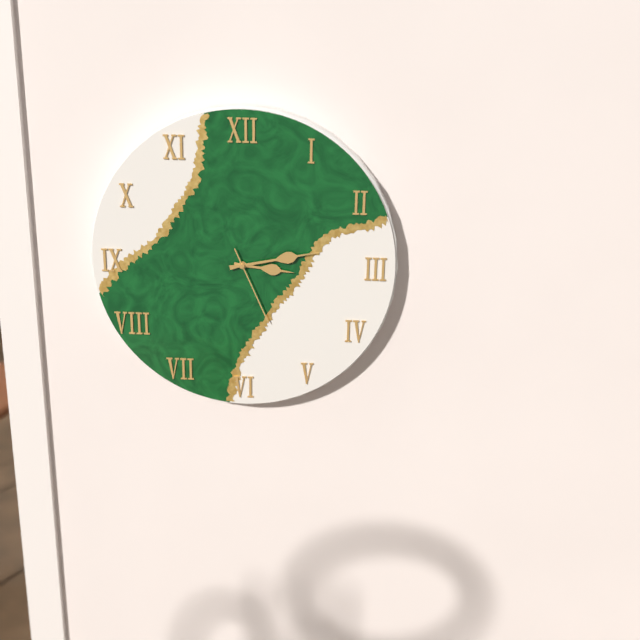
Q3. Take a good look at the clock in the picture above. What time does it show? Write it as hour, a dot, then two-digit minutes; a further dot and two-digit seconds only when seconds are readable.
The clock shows 3.13.26
